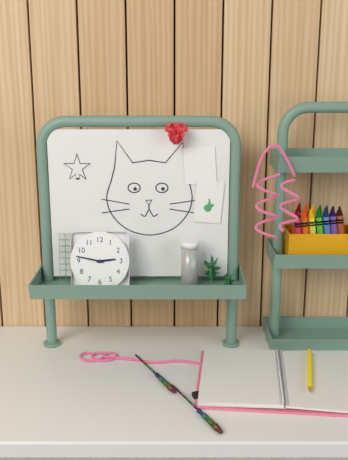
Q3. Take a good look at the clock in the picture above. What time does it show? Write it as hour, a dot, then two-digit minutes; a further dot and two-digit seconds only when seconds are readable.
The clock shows 2.47
